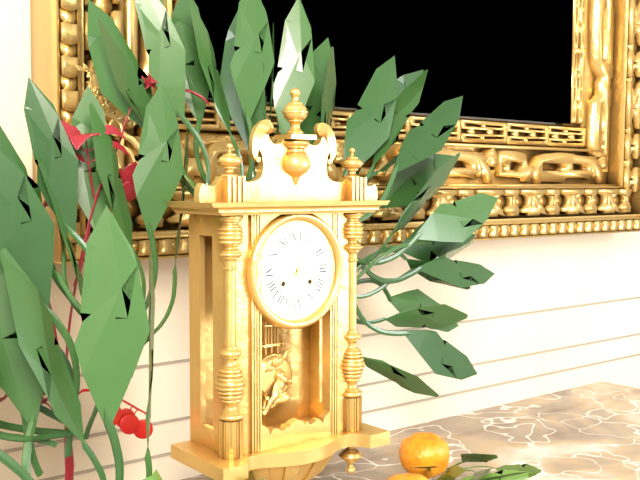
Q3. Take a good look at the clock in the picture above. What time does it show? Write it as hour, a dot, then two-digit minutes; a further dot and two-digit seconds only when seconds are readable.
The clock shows 1.02
